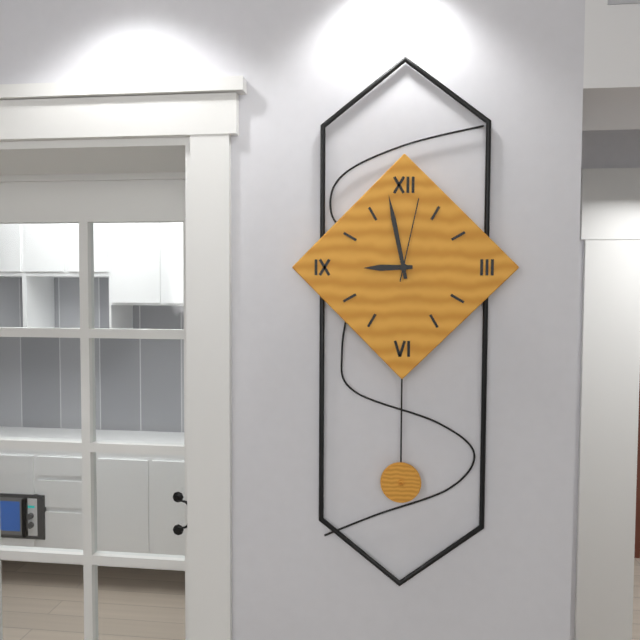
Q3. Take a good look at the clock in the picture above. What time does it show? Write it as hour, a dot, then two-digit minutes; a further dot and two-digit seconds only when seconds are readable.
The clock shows 8.58.02
